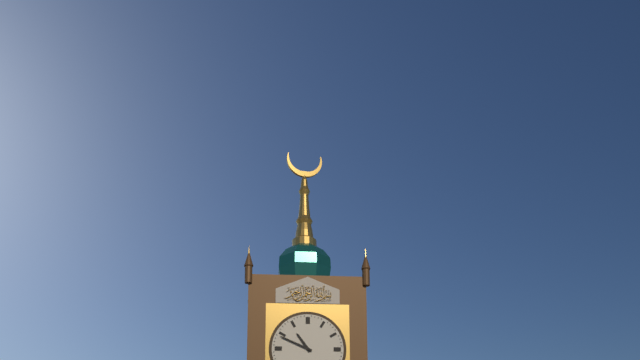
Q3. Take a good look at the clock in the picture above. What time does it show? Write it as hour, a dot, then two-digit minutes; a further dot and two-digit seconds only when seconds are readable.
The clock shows 10.49
